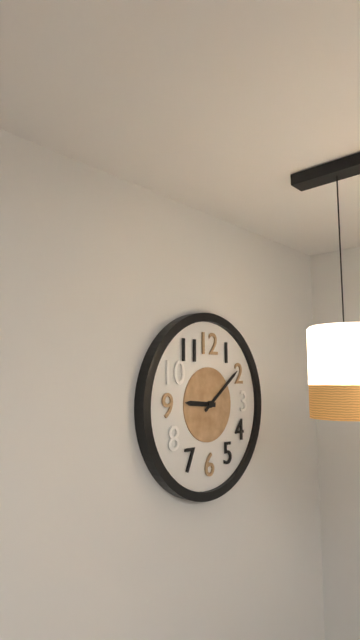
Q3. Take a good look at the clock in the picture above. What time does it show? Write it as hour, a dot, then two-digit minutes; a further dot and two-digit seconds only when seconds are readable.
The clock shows 9.09
